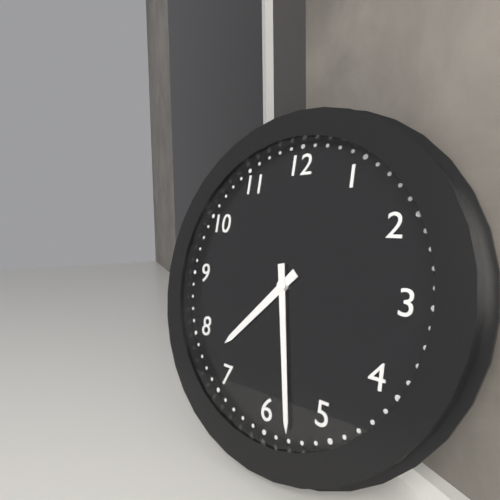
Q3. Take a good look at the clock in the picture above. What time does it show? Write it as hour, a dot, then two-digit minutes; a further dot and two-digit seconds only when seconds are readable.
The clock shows 7.28
